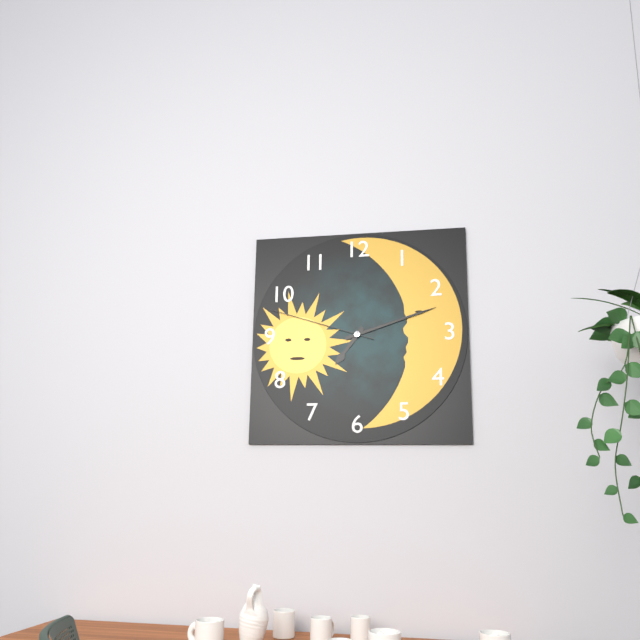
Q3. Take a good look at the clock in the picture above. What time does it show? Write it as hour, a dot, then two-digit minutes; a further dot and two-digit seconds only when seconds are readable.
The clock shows 7.12.48
